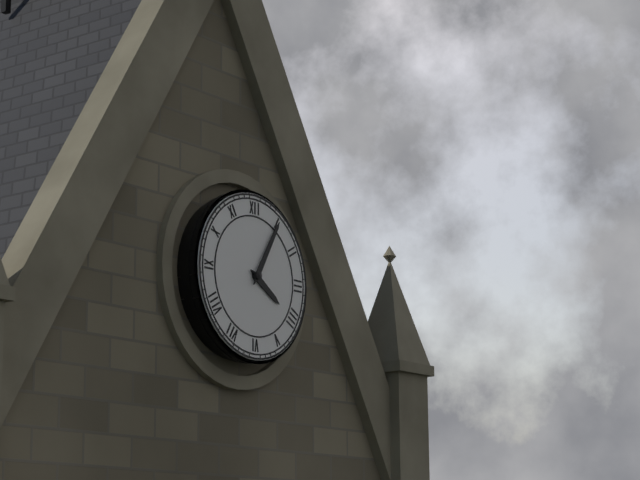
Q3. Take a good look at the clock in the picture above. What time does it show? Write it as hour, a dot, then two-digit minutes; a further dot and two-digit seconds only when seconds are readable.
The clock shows 4.05
